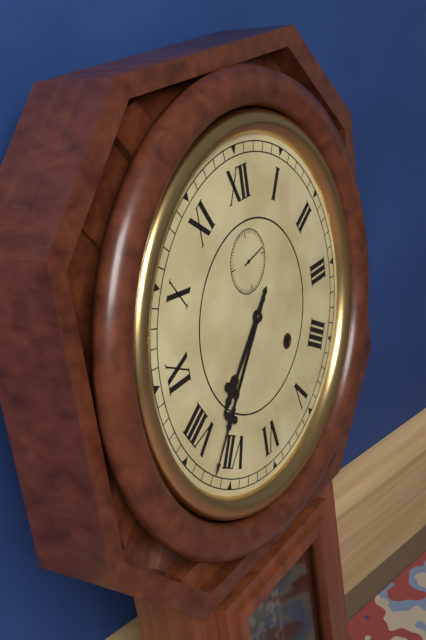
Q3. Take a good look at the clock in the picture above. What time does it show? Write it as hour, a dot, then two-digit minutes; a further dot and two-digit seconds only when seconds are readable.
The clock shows 7.37
